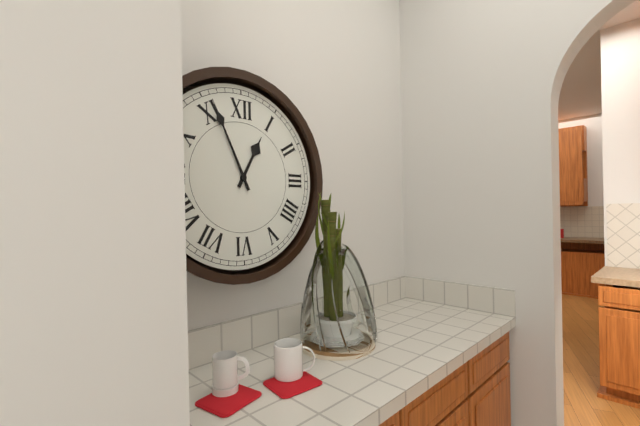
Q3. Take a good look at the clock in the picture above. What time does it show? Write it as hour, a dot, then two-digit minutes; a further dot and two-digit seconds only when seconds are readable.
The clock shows 12.56
